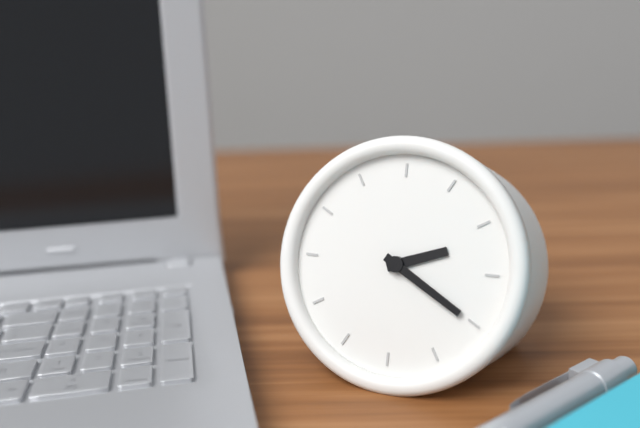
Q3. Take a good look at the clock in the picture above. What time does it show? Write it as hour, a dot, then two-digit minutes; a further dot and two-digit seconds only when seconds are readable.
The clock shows 2.20
